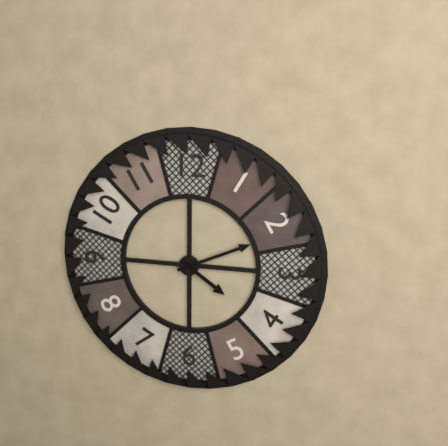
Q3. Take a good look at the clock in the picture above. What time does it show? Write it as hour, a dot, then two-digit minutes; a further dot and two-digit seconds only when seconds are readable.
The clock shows 4.11
